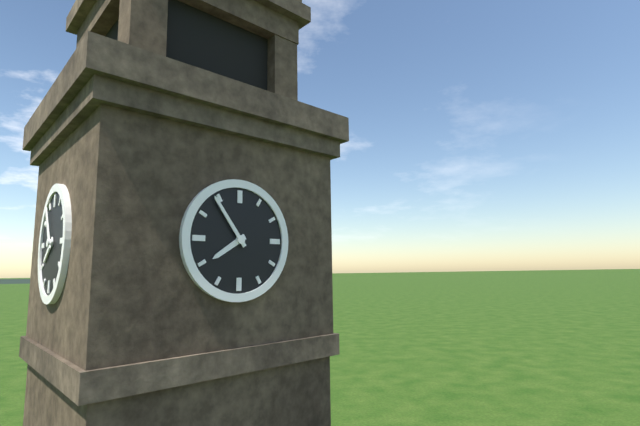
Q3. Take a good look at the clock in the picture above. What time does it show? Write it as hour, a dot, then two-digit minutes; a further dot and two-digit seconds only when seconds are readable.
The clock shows 7.54
